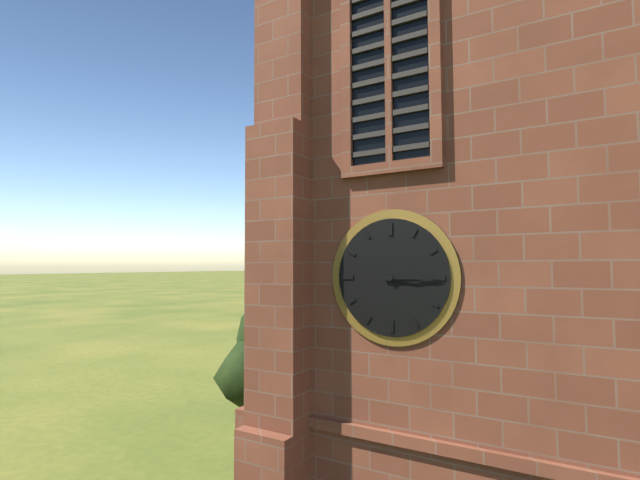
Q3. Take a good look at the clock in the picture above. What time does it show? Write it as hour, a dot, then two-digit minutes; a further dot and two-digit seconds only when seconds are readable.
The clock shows 3.15
